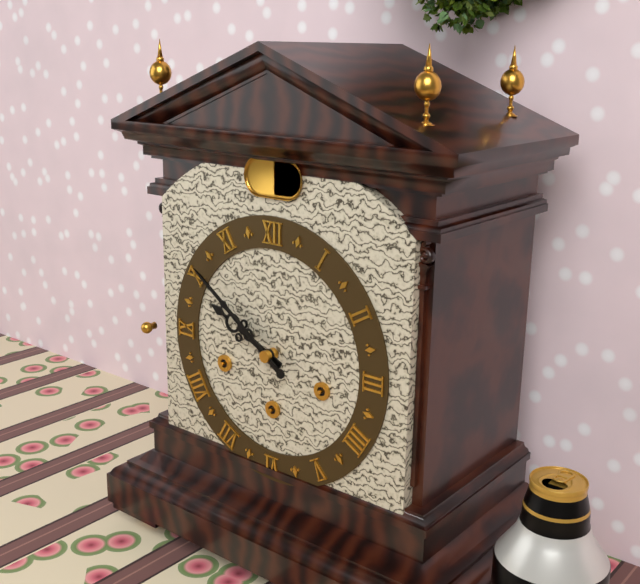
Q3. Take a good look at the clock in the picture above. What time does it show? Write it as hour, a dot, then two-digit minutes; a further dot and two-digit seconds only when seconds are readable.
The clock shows 9.51
